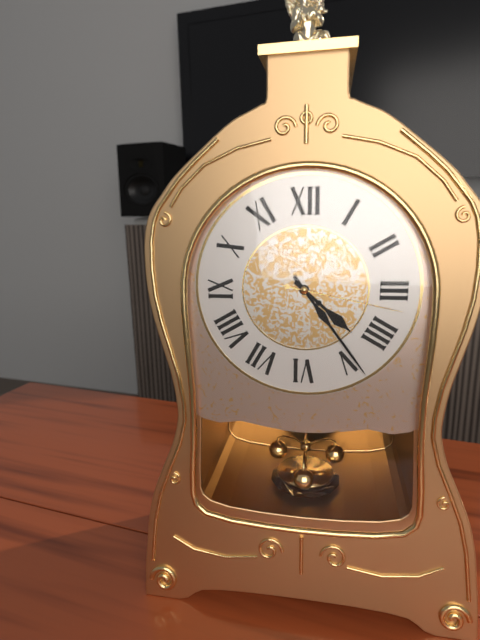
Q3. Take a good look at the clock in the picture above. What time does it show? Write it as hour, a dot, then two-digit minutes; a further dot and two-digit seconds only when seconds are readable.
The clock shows 4.24.17
